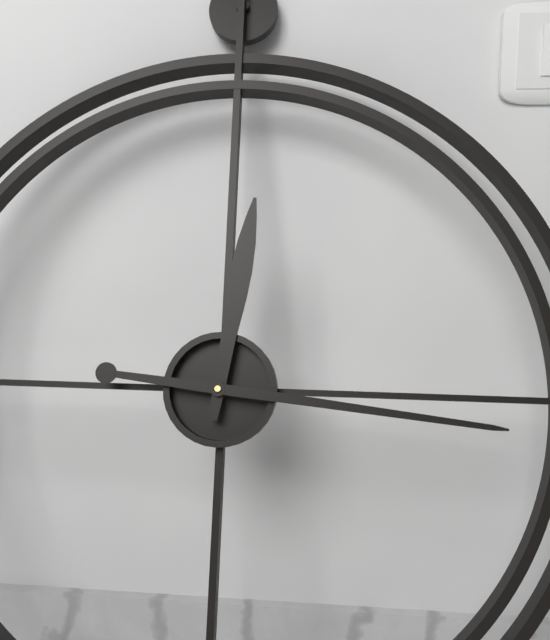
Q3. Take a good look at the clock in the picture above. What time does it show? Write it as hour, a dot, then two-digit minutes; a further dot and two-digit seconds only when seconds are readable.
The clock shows 12.16
